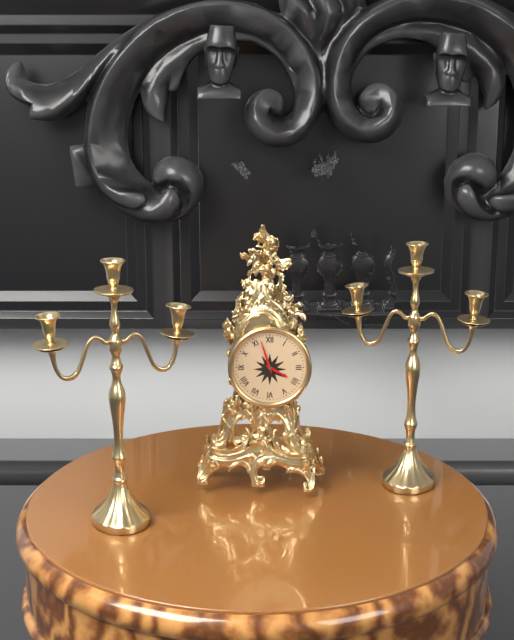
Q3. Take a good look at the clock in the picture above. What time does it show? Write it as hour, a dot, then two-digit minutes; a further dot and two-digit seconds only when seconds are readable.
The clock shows 3.57
